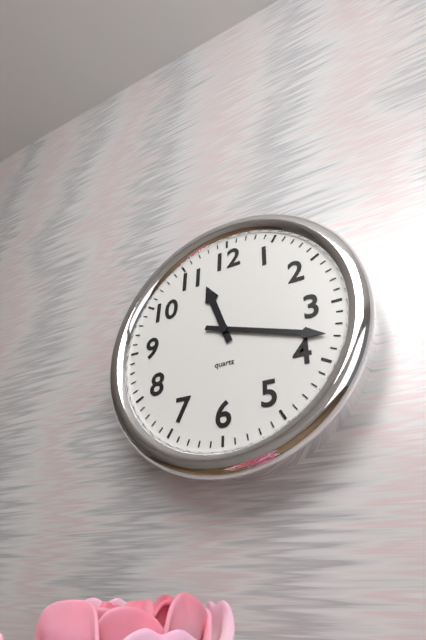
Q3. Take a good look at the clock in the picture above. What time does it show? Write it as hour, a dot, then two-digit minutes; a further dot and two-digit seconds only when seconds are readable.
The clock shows 11.18
